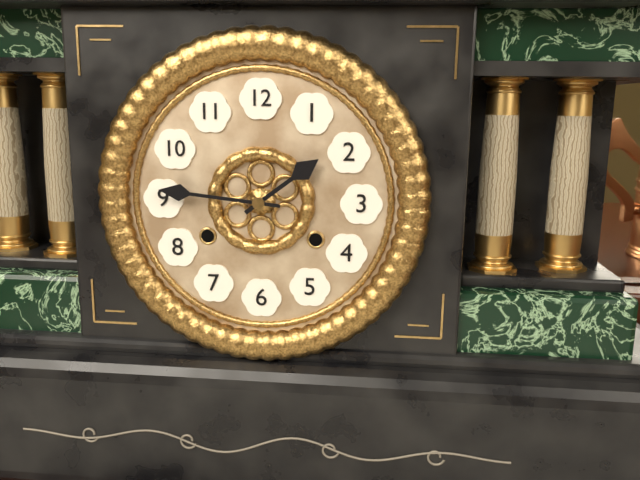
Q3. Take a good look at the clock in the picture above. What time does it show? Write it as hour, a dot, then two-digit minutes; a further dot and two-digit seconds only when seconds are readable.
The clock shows 1.46
